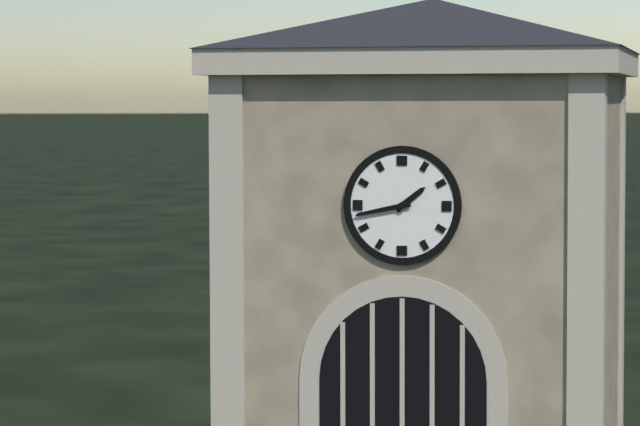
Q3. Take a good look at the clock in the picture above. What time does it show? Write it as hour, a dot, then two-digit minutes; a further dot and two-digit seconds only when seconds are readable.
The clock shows 1.43
